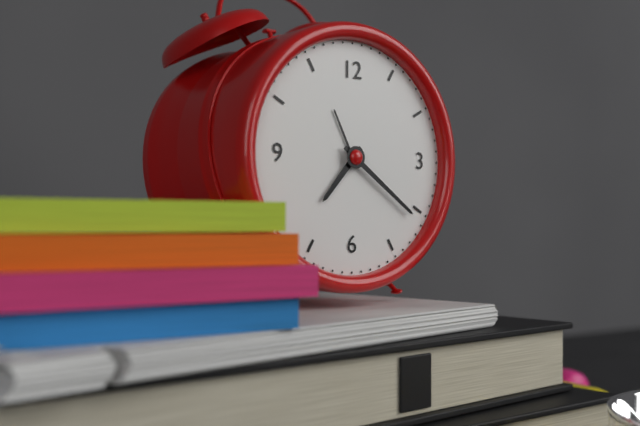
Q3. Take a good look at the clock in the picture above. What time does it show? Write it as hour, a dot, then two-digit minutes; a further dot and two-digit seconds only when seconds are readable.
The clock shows 7.21
